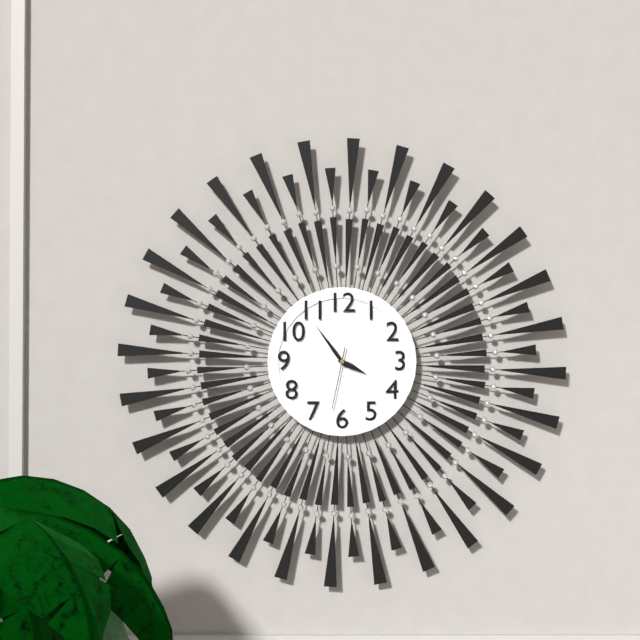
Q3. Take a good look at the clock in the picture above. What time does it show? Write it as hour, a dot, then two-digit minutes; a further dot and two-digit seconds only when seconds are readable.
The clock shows 3.54.32
